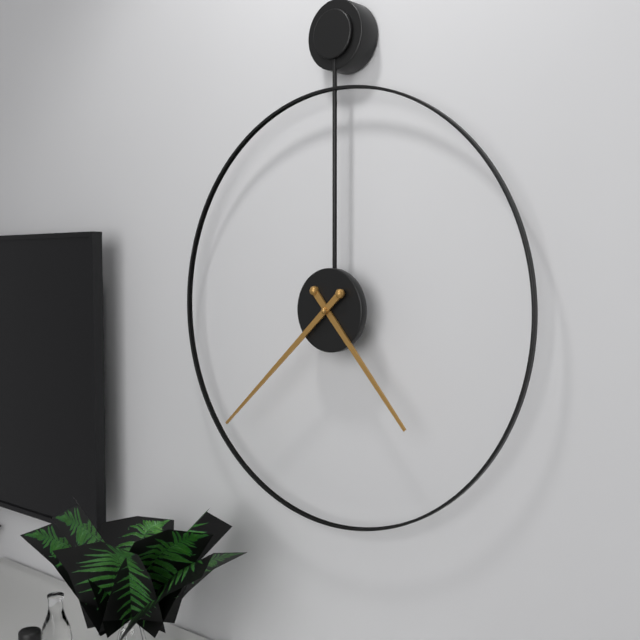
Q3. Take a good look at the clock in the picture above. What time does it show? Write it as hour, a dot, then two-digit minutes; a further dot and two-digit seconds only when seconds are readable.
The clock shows 4.38
